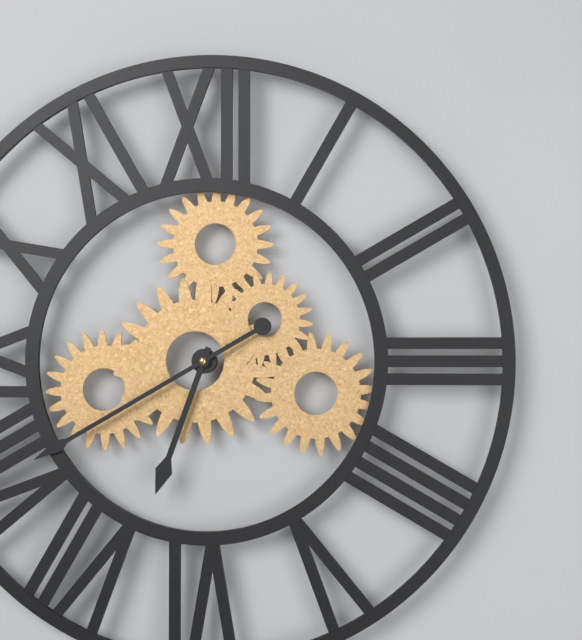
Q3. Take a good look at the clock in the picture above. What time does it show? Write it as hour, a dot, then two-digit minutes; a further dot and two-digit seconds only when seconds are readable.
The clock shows 6.40
